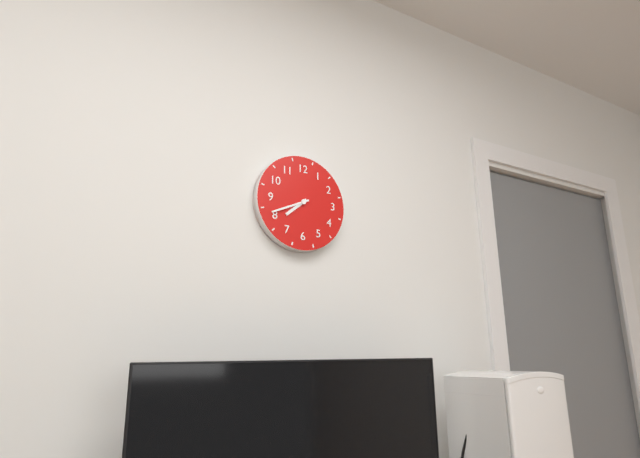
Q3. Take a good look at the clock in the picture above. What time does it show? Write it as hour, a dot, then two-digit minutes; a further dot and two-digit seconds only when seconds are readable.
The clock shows 7.41
